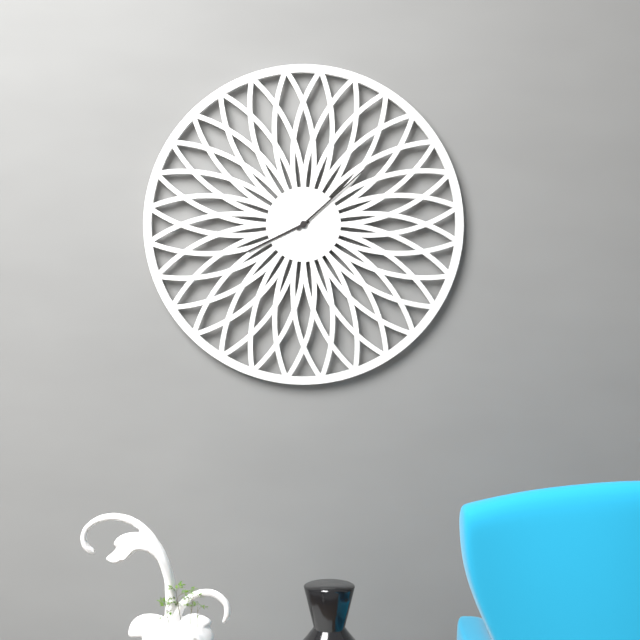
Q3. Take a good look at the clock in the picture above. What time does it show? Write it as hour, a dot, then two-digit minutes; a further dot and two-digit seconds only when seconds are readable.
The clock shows 8.08
